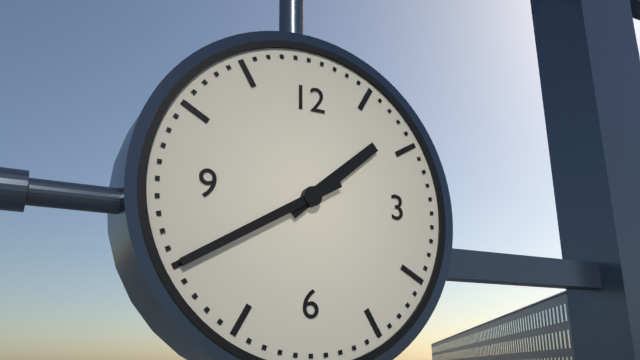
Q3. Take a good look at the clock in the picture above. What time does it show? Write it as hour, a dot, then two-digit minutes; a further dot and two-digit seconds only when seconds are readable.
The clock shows 1.40
